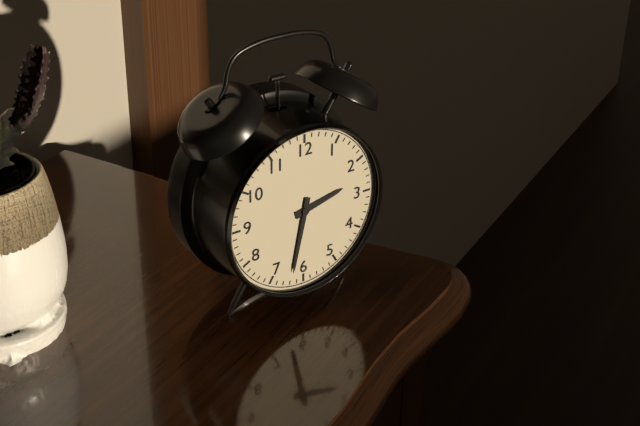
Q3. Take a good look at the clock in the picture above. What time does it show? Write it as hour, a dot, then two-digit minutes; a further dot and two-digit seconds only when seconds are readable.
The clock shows 2.32
